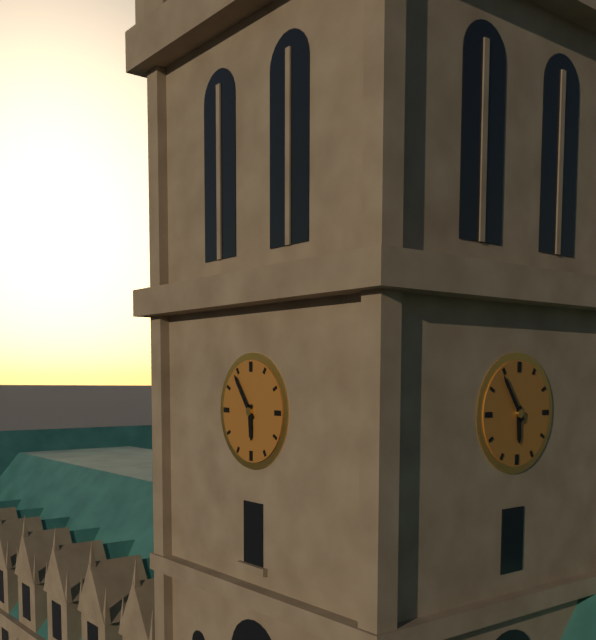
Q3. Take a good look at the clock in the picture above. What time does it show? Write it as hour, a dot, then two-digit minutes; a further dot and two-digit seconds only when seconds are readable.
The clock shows 5.54
